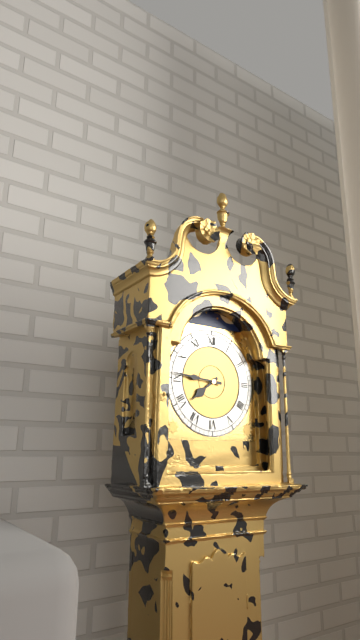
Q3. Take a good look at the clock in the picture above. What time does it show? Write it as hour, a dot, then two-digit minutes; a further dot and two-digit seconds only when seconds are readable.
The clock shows 7.46
